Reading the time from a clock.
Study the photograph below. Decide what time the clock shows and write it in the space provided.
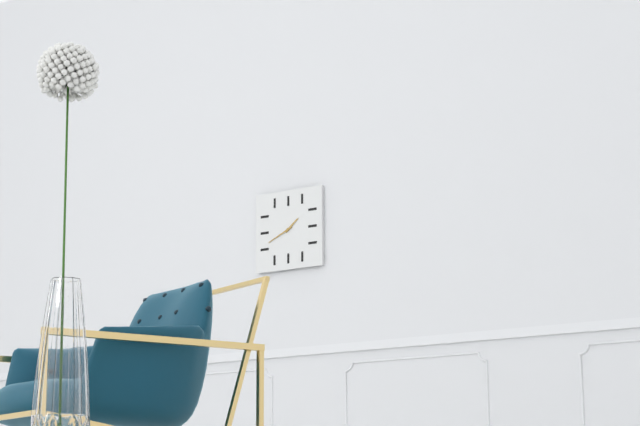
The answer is 1:41
